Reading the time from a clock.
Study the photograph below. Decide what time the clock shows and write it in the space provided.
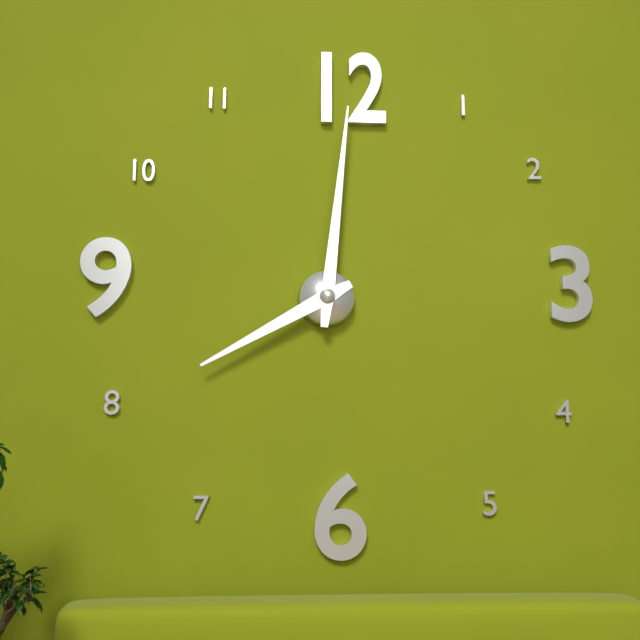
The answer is 8:01
